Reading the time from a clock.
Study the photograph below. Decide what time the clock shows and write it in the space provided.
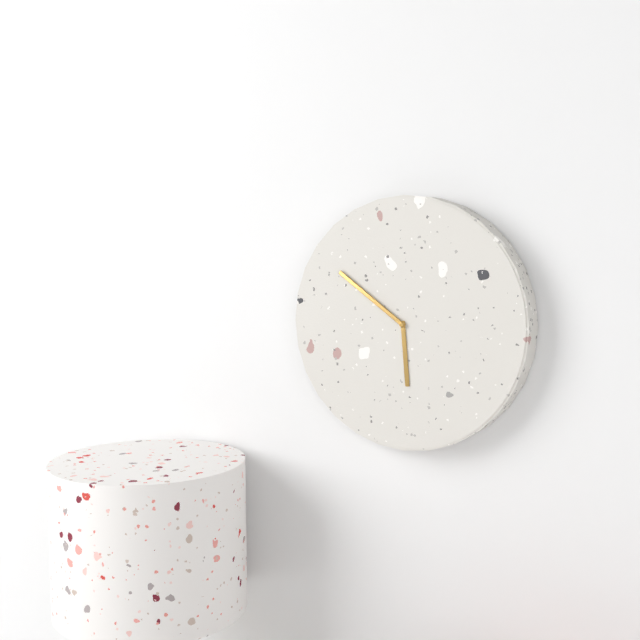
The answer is 5:51
